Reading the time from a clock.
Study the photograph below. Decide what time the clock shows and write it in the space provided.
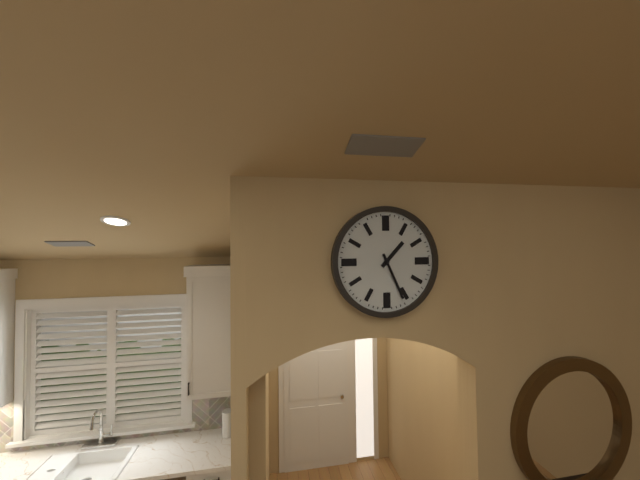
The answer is 1:26
